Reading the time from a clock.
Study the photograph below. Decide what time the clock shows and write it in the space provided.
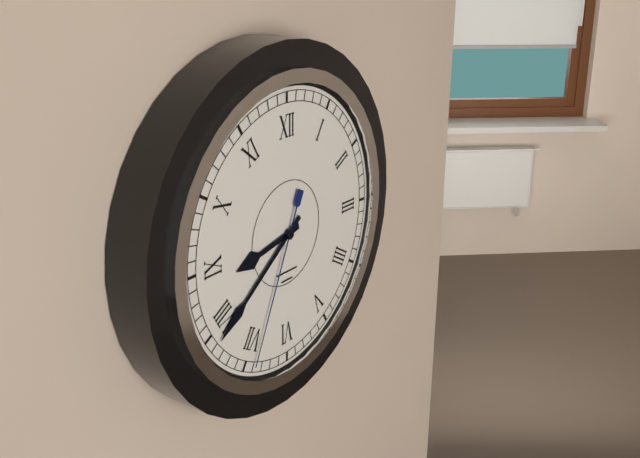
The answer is 8:39:34
